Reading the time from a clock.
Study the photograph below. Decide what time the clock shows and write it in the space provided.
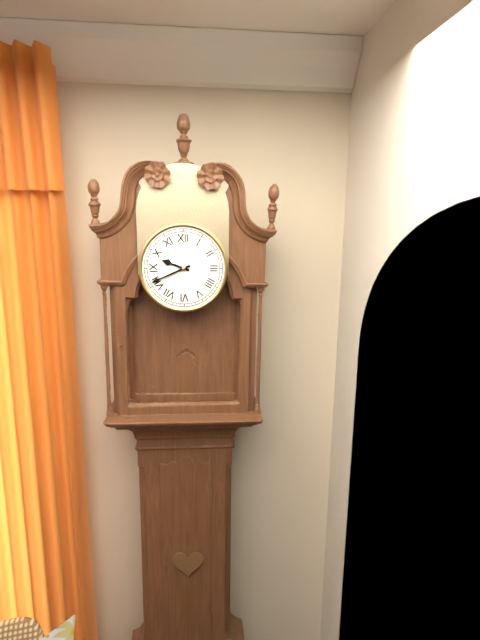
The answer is 9:41
